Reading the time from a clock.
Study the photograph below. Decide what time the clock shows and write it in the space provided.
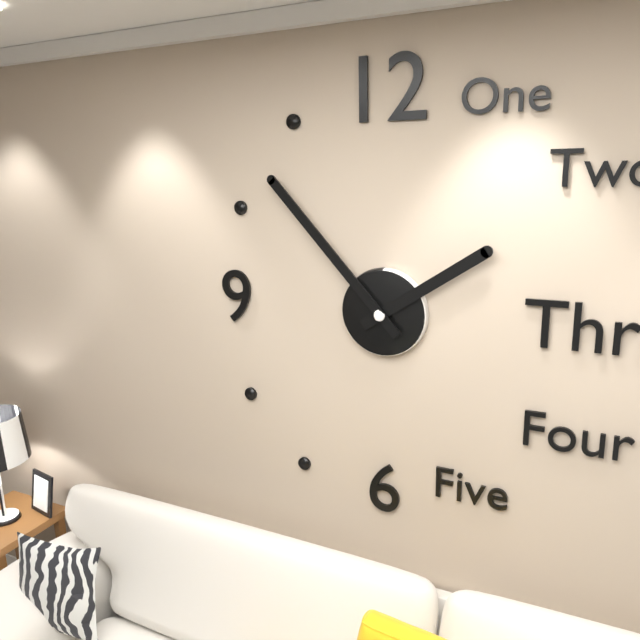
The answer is 1:53
